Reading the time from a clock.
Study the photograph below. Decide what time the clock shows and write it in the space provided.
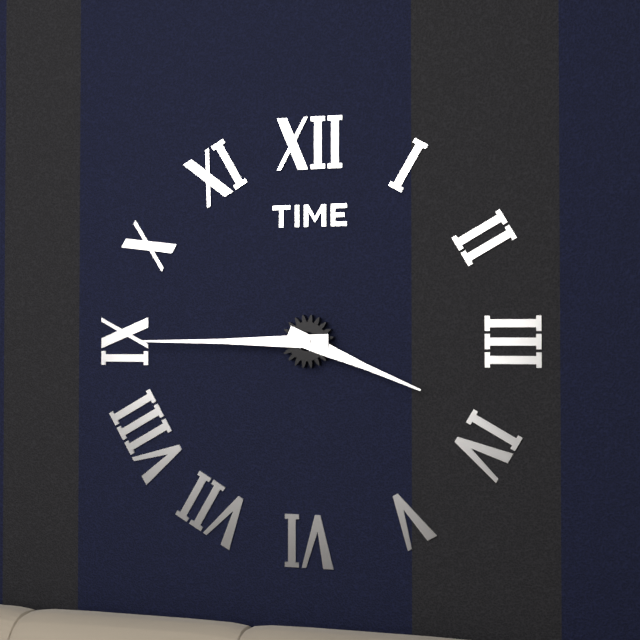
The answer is 3:45
